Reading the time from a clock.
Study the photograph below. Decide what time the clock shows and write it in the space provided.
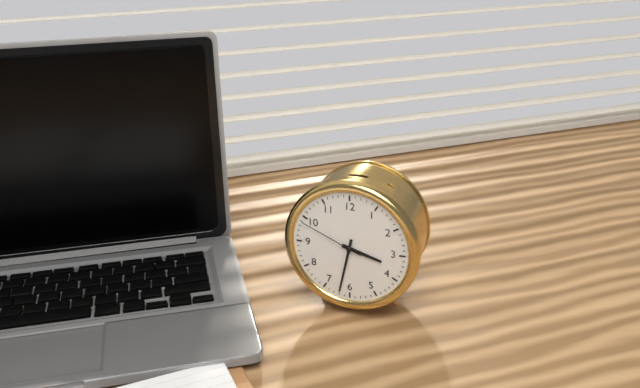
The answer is 3:32:49
